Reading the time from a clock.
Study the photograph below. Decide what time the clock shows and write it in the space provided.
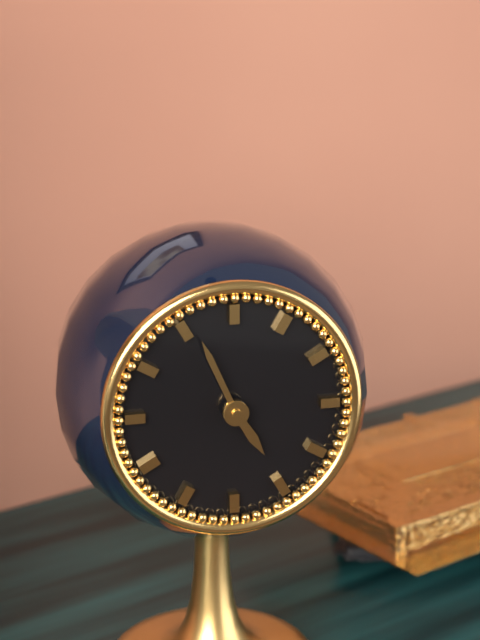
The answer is 4:56
